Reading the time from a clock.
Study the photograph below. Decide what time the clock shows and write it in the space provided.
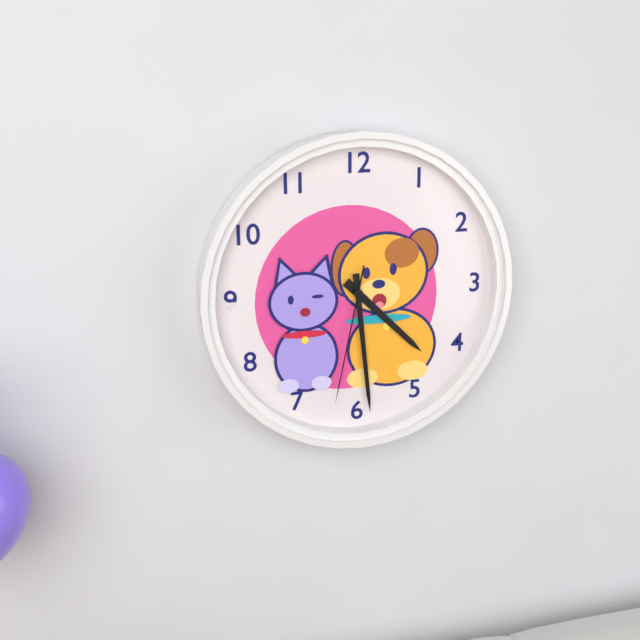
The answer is 4:29:32
